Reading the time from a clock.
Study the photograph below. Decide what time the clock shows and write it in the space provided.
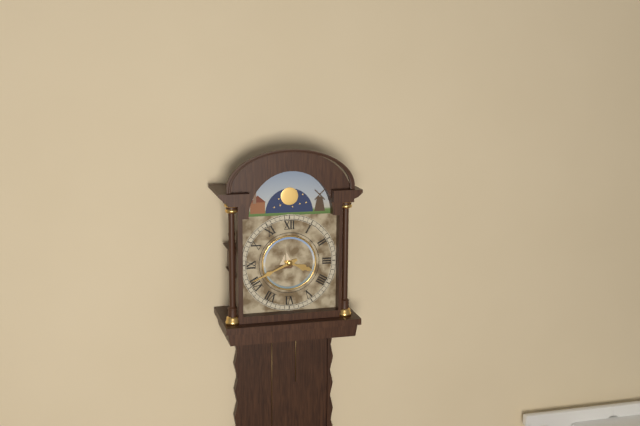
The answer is 3:41
